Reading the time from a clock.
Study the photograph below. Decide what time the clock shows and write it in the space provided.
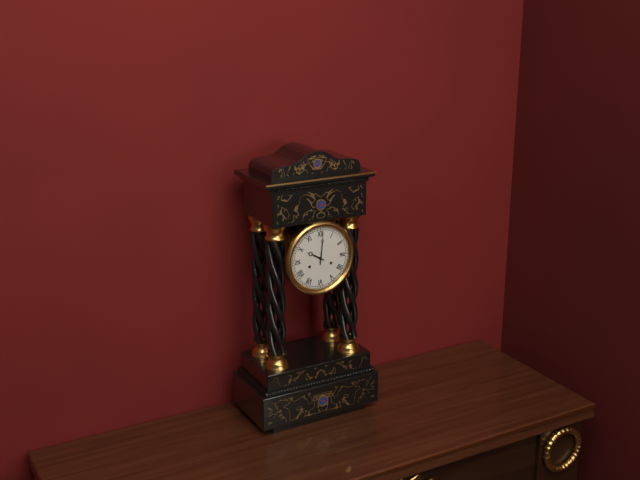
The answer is 10:01
